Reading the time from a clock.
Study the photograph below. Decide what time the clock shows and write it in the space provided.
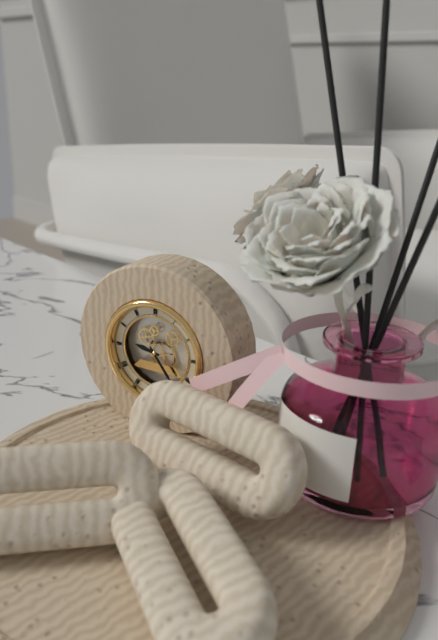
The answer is 9:24
